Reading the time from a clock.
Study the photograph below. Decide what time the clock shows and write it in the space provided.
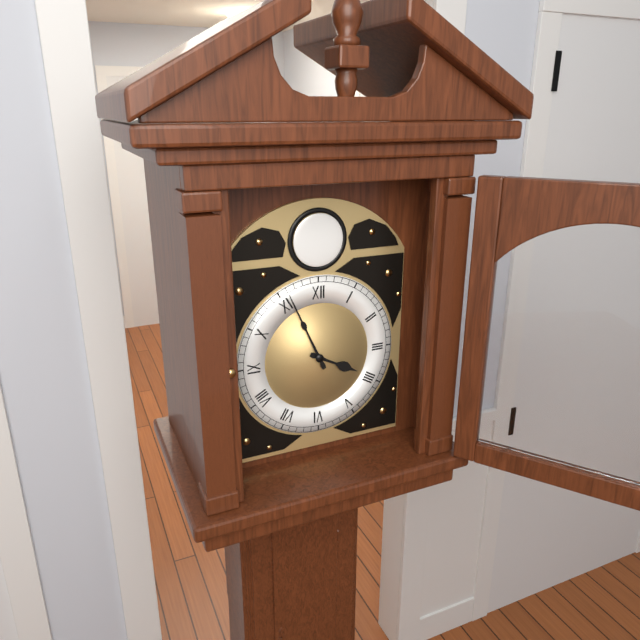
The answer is 3:56
